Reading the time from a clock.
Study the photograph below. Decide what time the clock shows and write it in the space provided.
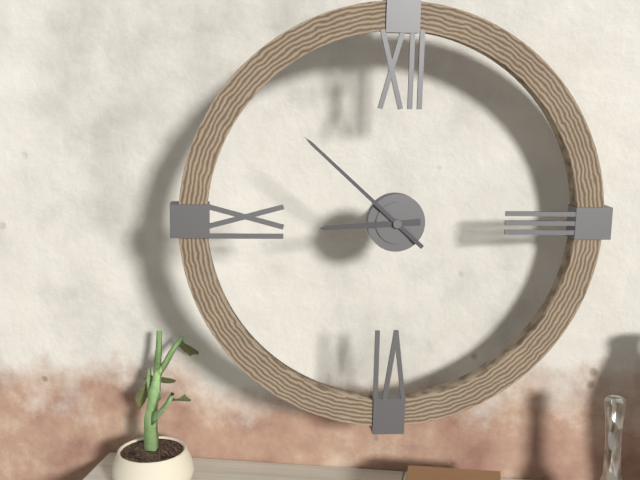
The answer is 8:52
